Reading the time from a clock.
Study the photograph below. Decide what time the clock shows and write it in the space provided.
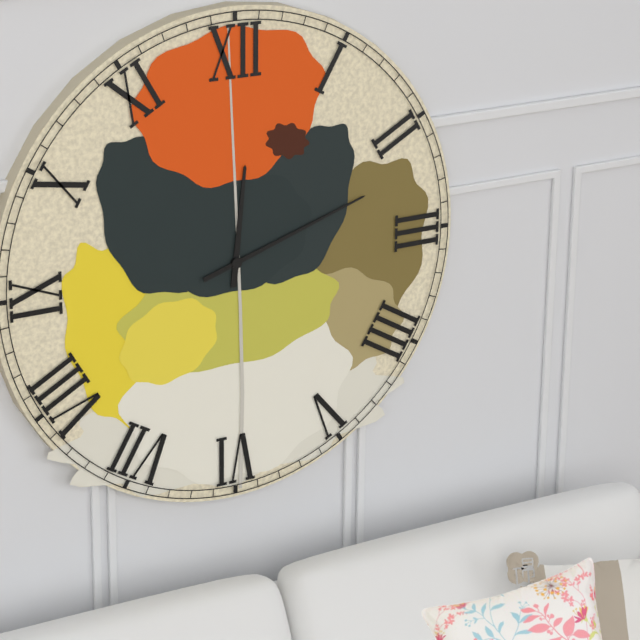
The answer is 12:12
